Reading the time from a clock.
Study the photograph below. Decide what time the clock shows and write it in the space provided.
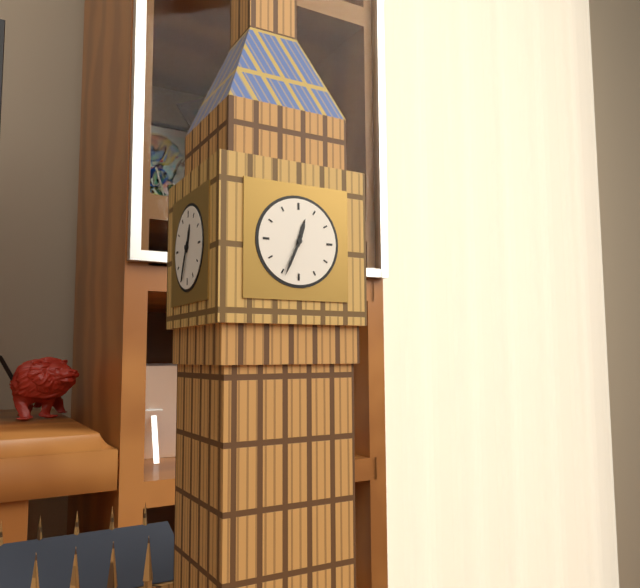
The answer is 12:34
